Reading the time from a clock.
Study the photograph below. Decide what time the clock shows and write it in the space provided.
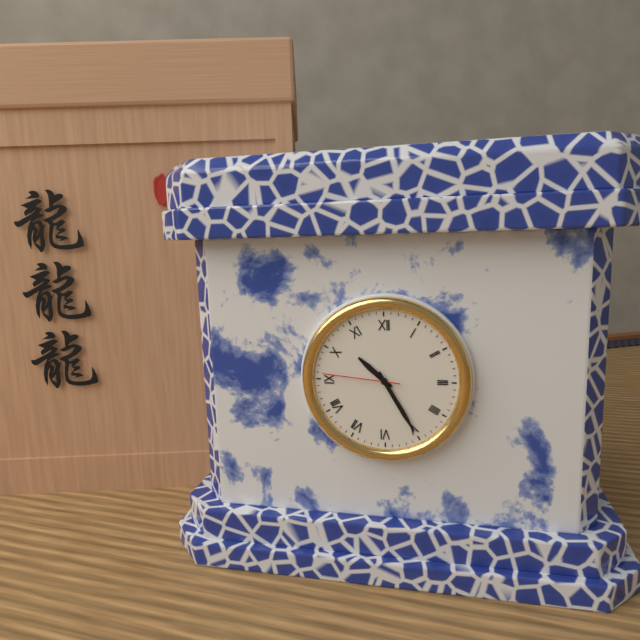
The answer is 10:25:46
